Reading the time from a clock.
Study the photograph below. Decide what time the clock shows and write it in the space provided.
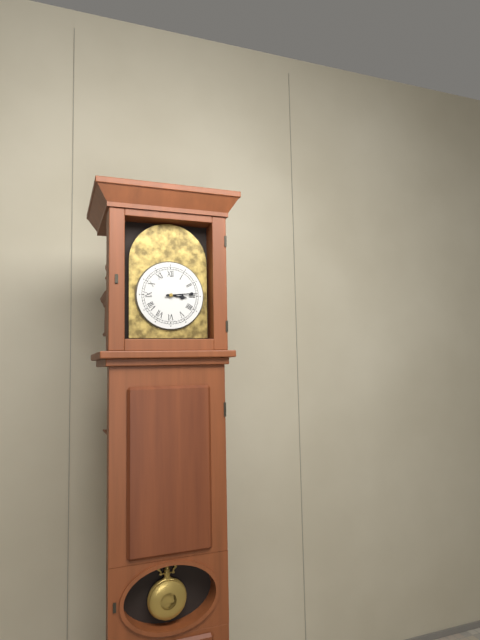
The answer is 3:14
